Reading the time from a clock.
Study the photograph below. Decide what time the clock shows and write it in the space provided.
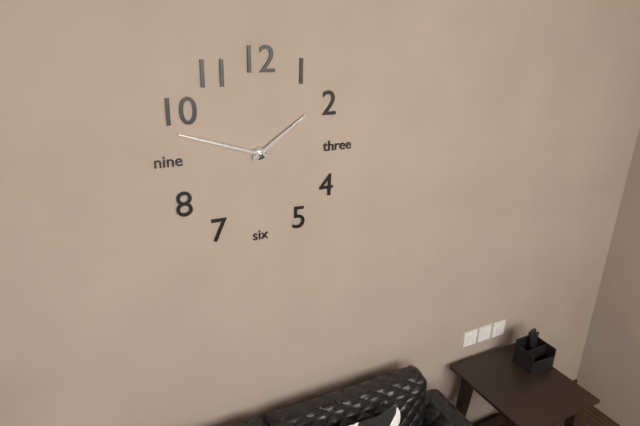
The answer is 1:48
